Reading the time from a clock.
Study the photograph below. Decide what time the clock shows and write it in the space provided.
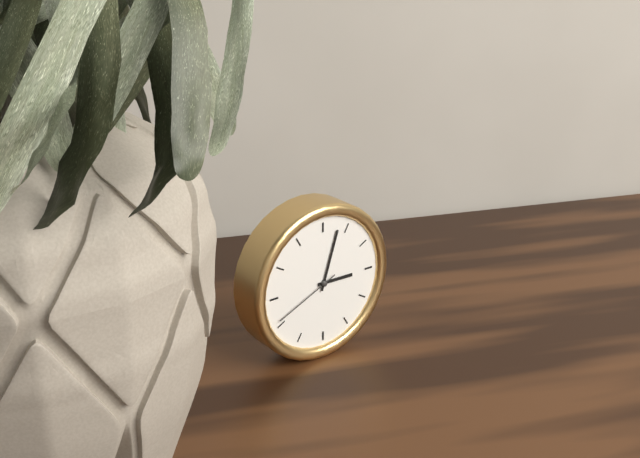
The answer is 3:03:41
